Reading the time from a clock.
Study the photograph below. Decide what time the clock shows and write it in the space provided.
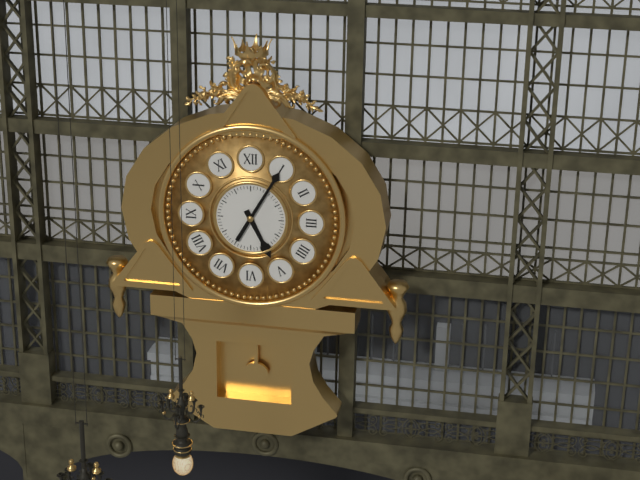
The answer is 5:05
